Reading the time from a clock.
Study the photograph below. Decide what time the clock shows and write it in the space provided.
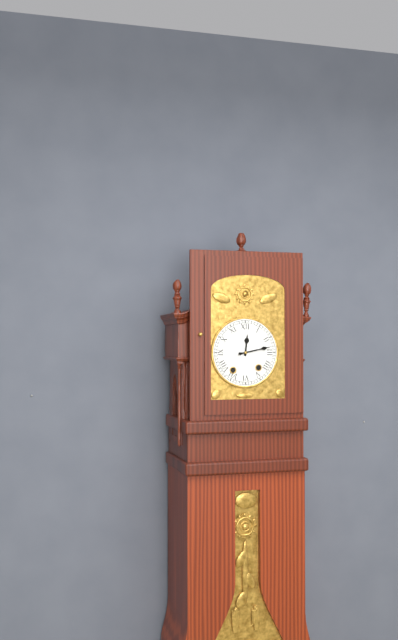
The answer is 12:13
